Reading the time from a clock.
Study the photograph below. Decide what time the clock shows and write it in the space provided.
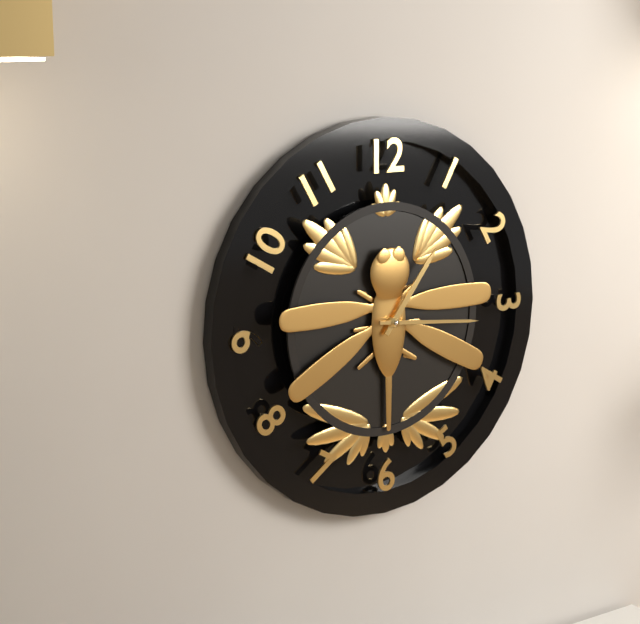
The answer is 1:16
